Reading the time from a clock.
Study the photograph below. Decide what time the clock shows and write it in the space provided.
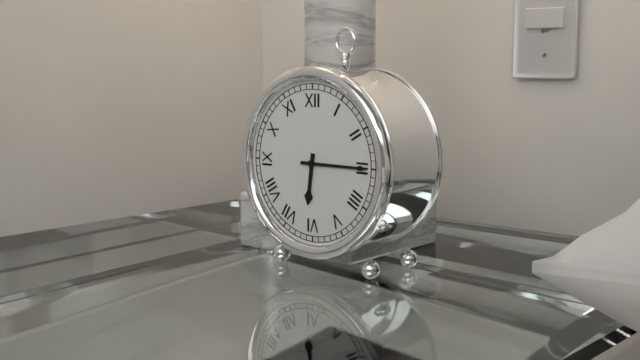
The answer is 6:15
